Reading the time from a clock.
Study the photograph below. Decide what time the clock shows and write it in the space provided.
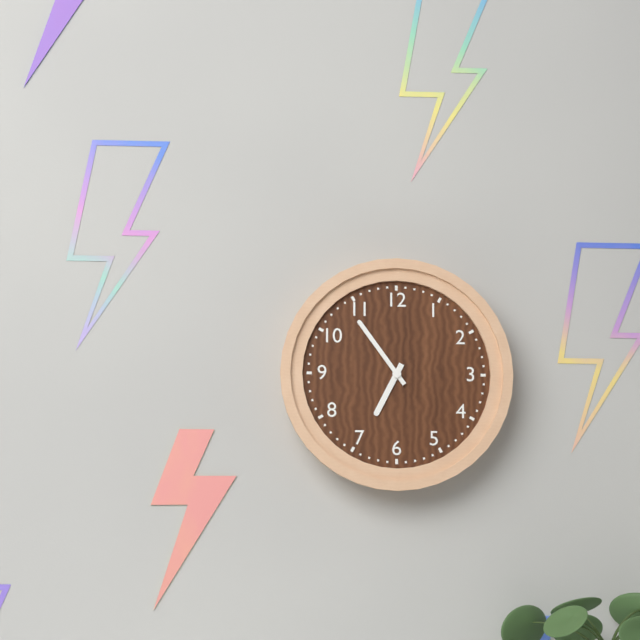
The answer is 6:54
